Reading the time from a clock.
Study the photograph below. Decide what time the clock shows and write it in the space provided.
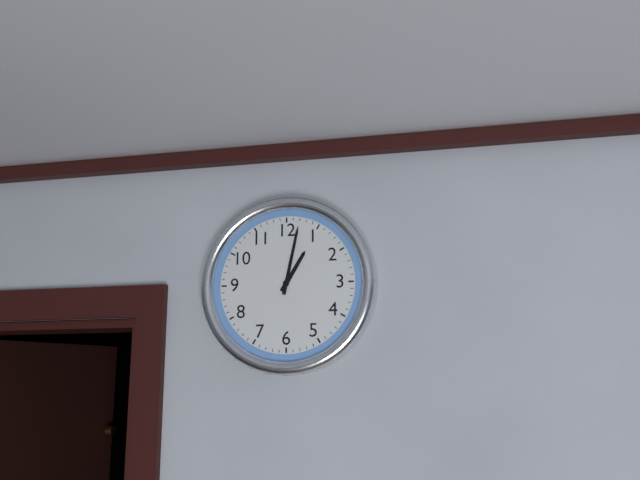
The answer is 1:02
